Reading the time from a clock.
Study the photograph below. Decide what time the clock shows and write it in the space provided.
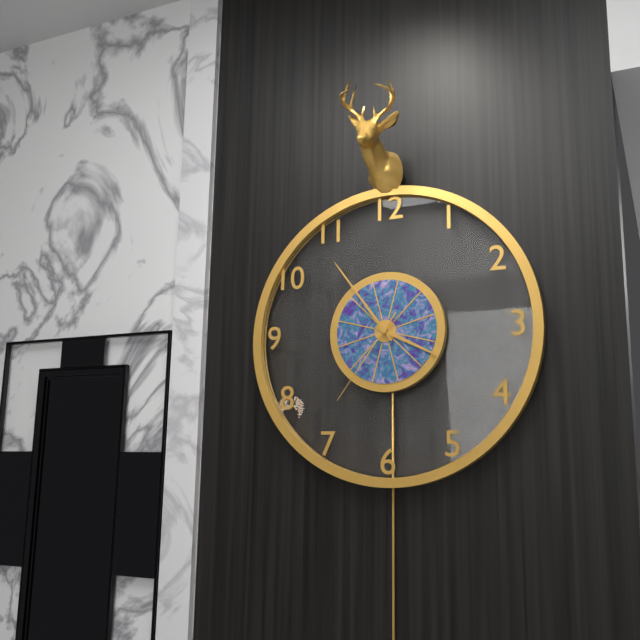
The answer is 3:54:36
